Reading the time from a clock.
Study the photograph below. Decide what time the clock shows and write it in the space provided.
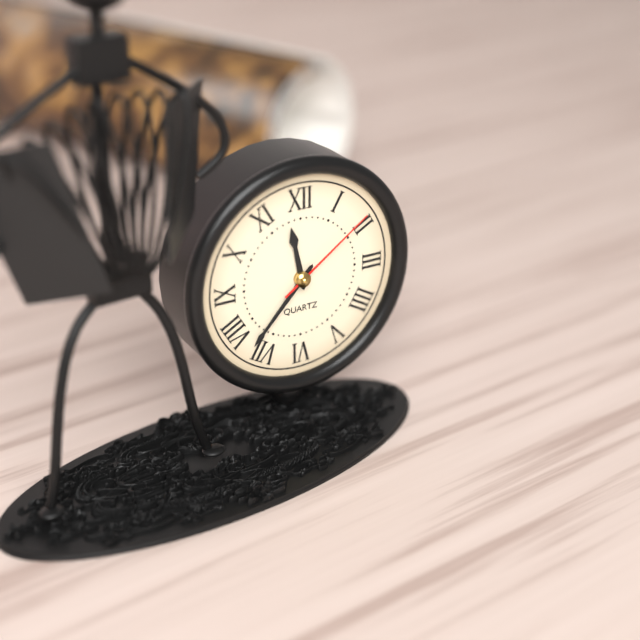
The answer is 11:37:09
